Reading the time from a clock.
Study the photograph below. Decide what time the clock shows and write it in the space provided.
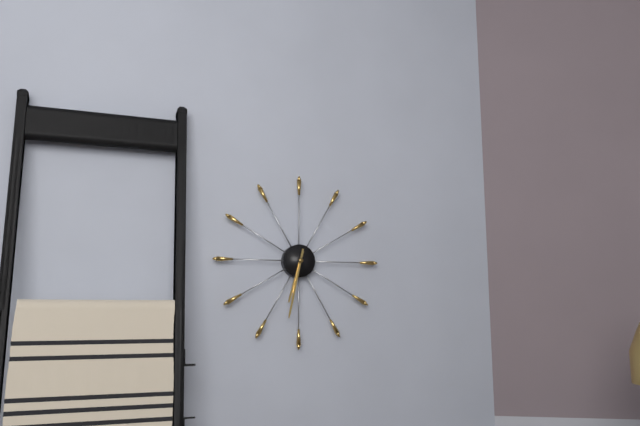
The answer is 6:32
